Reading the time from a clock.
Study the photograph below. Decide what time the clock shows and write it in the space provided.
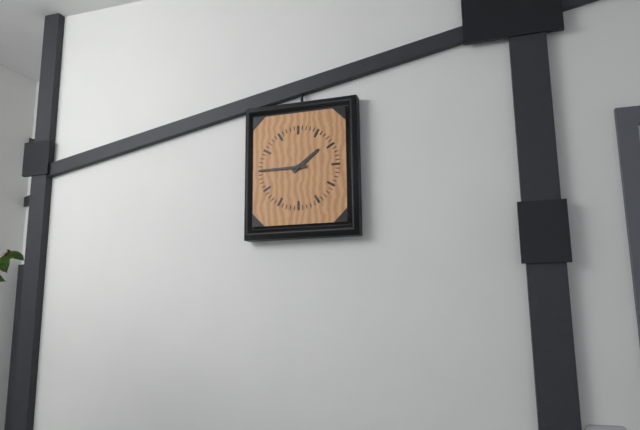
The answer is 1:45
